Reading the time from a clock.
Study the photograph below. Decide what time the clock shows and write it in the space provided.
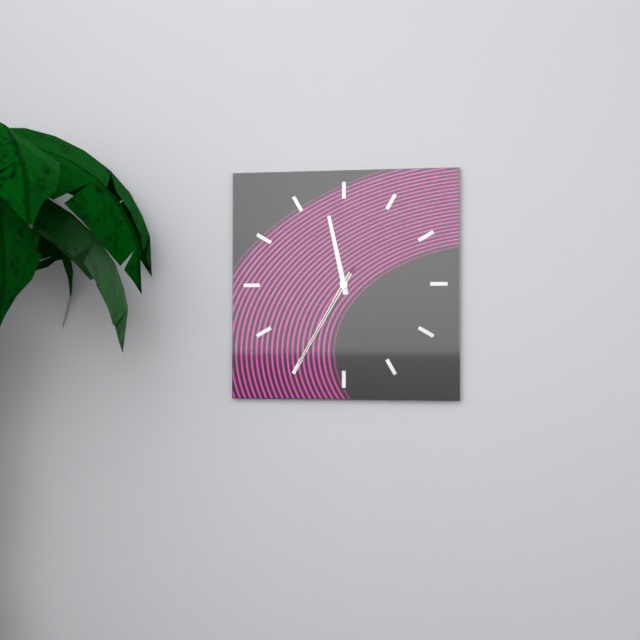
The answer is 11:35:35
